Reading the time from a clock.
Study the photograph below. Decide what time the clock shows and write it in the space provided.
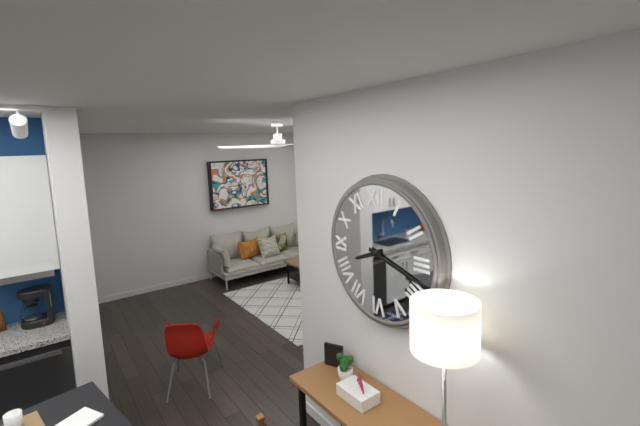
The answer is 8:18
